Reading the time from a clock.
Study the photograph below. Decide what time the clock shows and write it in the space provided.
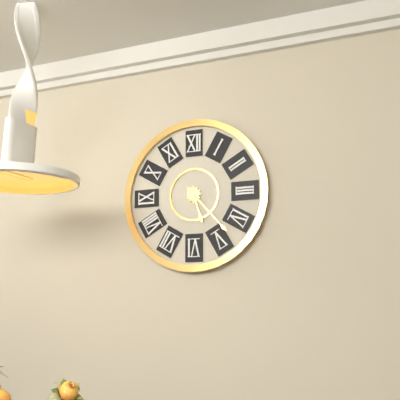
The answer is 5:23
